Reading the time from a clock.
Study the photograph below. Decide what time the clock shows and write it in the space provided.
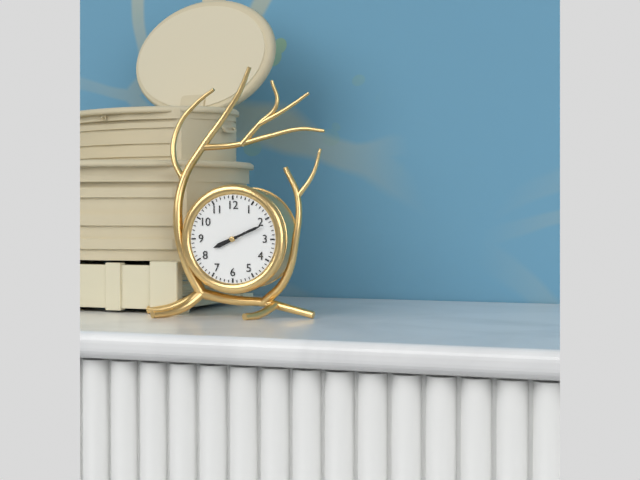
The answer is 8:11
